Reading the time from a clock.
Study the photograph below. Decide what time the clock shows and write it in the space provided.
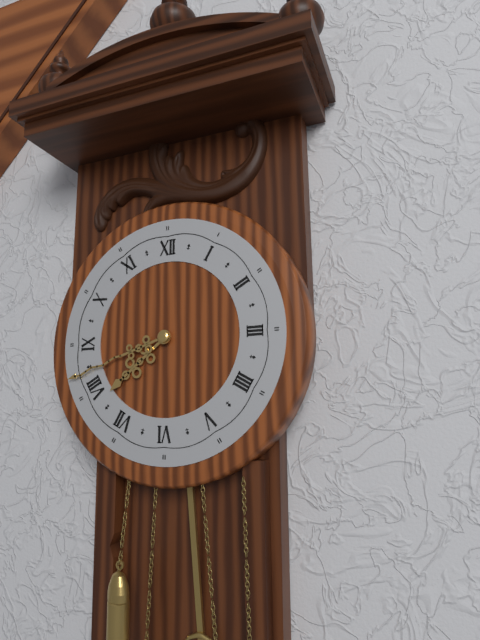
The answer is 7:42
